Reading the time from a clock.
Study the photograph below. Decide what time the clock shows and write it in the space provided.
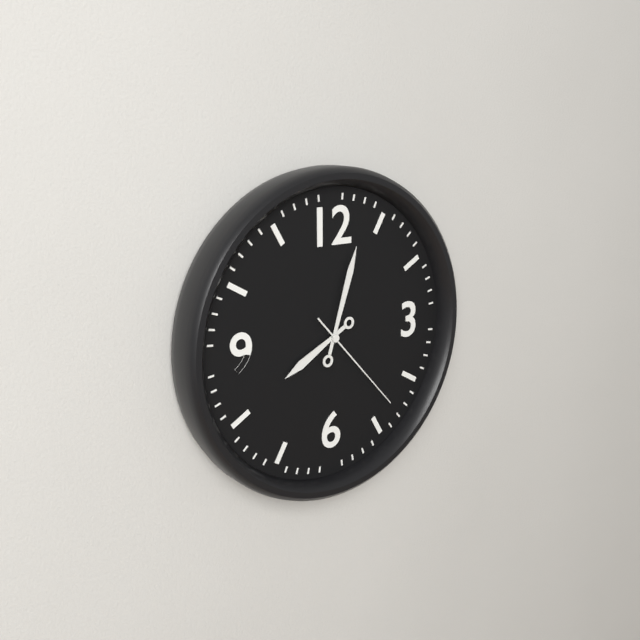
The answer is 8:03:23
